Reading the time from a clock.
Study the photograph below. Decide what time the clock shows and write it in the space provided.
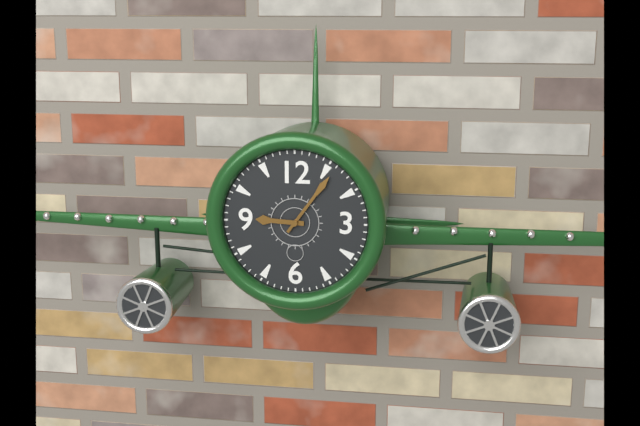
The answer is 9:06
